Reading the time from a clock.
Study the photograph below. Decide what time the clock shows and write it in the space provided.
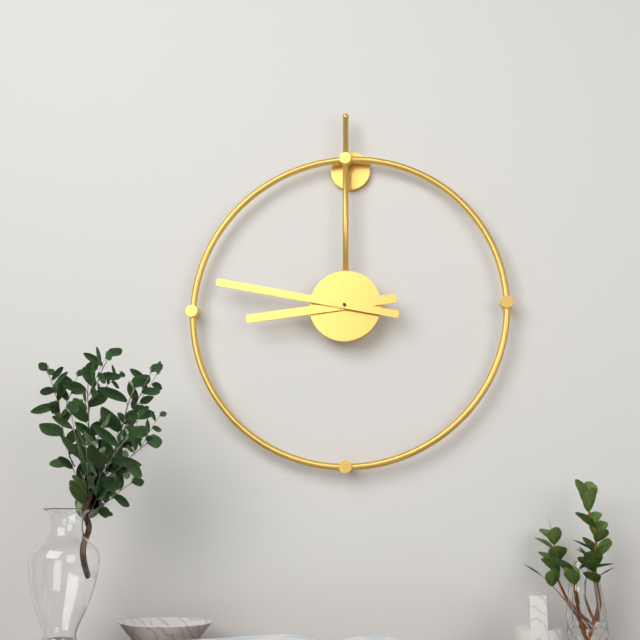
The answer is 8:47
